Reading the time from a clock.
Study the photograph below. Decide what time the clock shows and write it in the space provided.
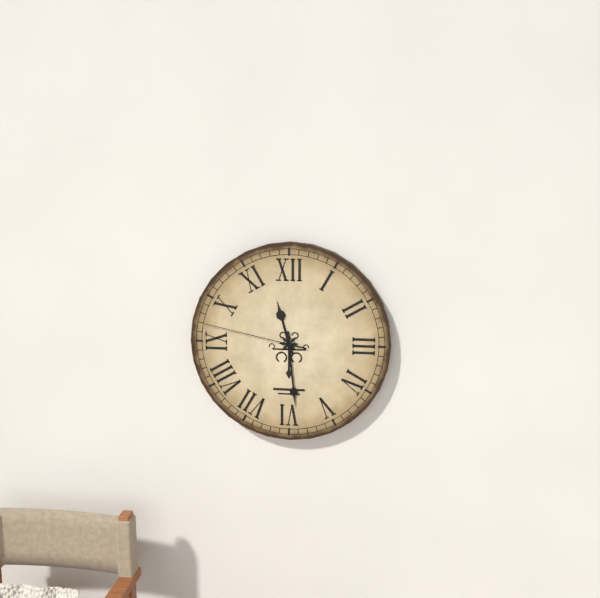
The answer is 11:29:47
